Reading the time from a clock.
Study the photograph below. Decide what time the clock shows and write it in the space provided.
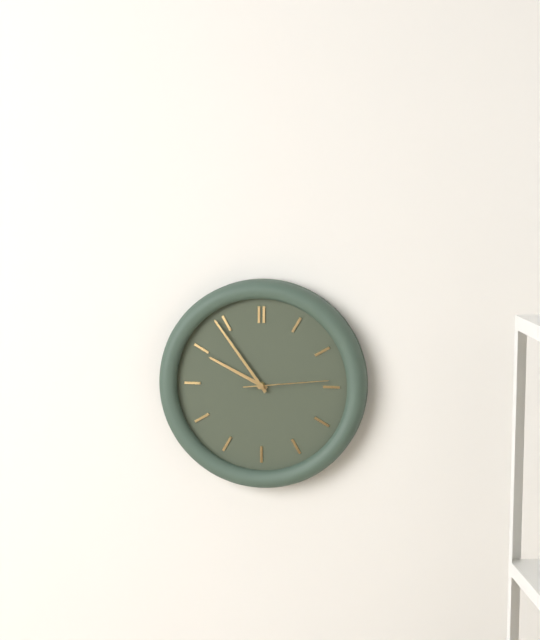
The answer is 9:54:14
